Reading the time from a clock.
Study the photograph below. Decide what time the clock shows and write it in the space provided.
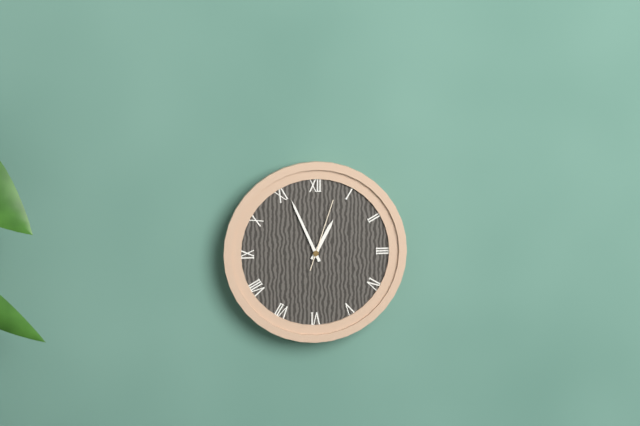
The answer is 12:56:03
